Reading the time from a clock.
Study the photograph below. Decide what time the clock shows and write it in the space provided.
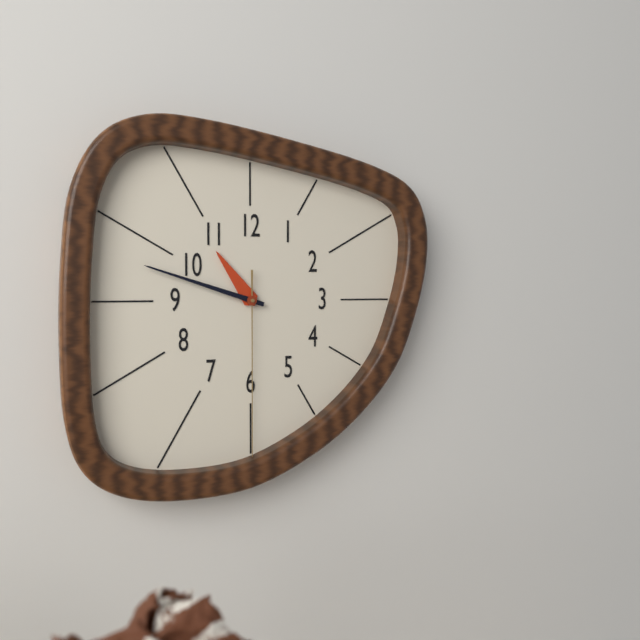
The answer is 10:48:30
